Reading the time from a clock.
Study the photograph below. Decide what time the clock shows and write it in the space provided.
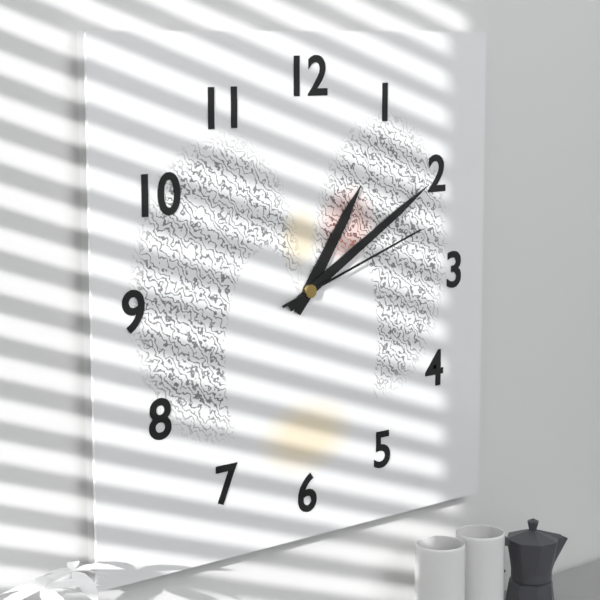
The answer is 1:10:12
